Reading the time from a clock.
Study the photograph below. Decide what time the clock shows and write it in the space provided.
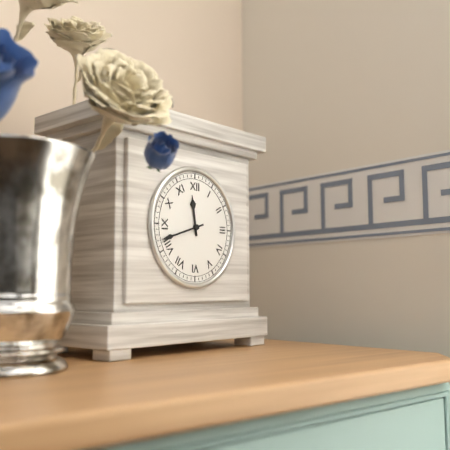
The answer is 11:42
